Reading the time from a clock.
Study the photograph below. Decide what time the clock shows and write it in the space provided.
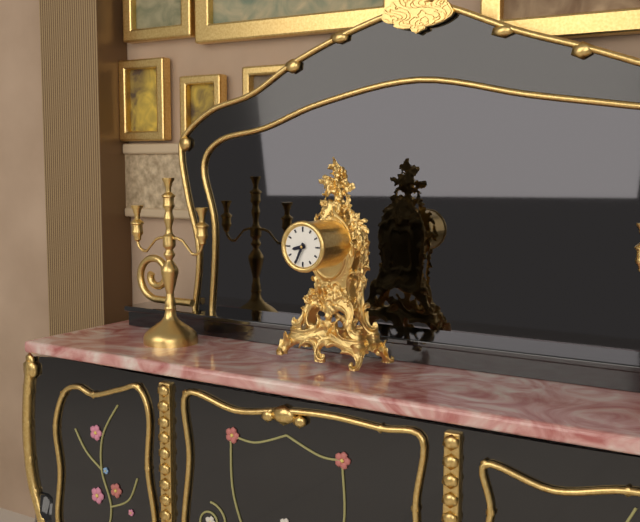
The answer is 8:34
